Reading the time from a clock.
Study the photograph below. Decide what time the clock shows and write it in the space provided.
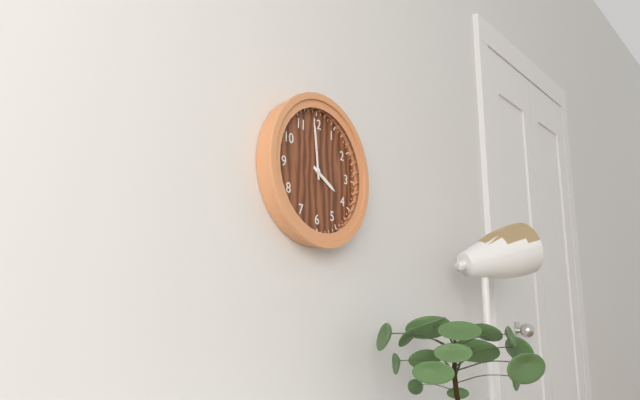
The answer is 3:59
